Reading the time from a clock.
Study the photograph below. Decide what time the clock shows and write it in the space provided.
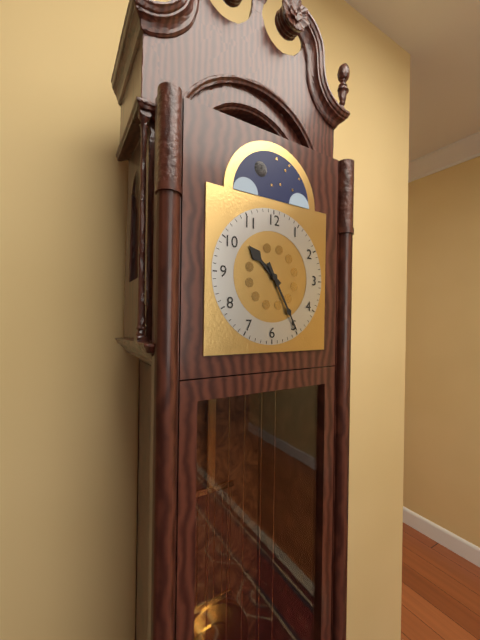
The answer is 10:25
